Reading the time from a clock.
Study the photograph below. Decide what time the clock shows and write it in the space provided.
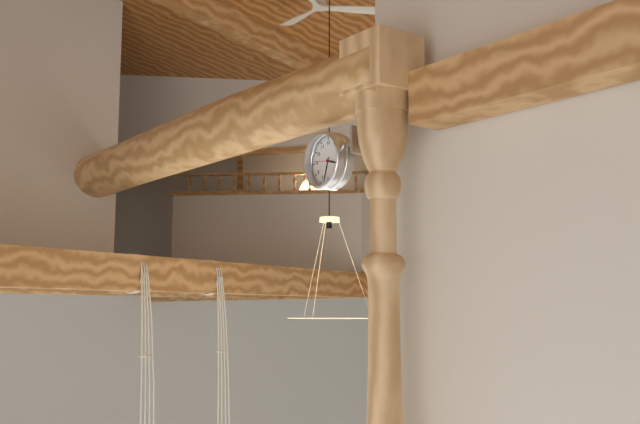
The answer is 3:33
